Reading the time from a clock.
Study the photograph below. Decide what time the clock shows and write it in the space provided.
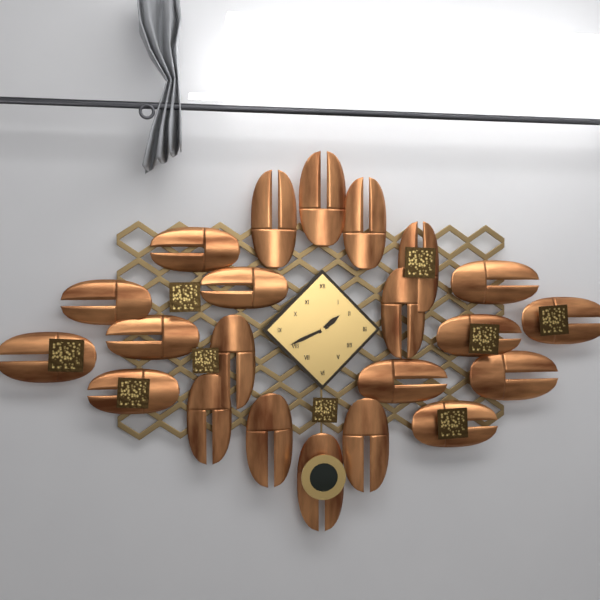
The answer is 1:41
